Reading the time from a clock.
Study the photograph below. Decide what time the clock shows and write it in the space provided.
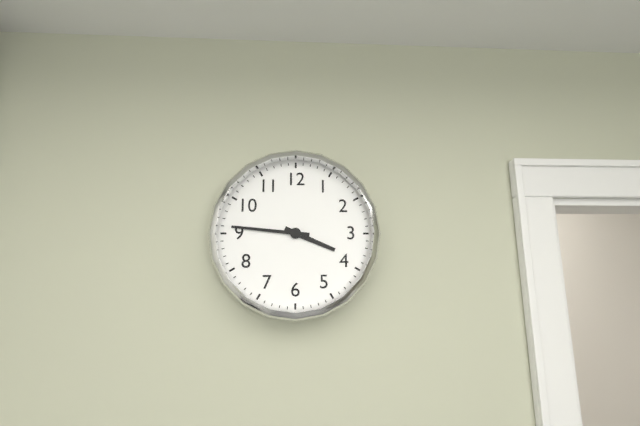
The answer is 3:46
